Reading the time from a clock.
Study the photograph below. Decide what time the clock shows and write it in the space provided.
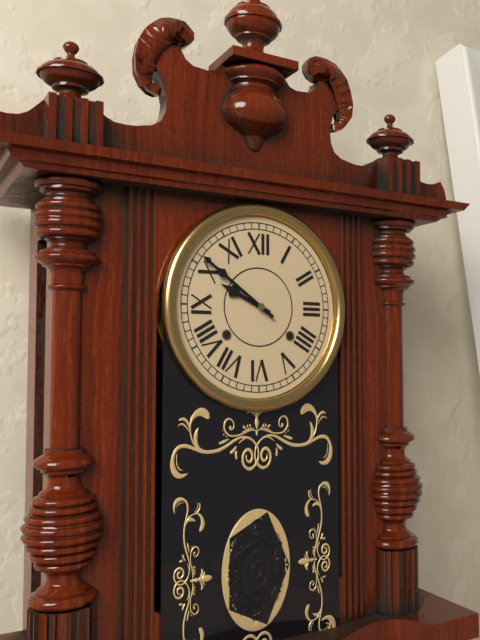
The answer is 9:51
